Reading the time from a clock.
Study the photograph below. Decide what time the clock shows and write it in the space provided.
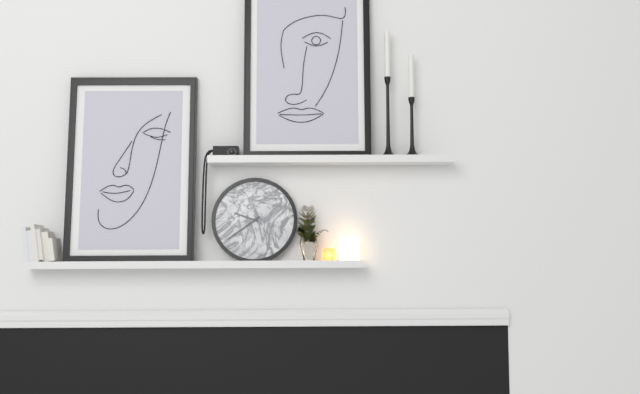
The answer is 9:39
